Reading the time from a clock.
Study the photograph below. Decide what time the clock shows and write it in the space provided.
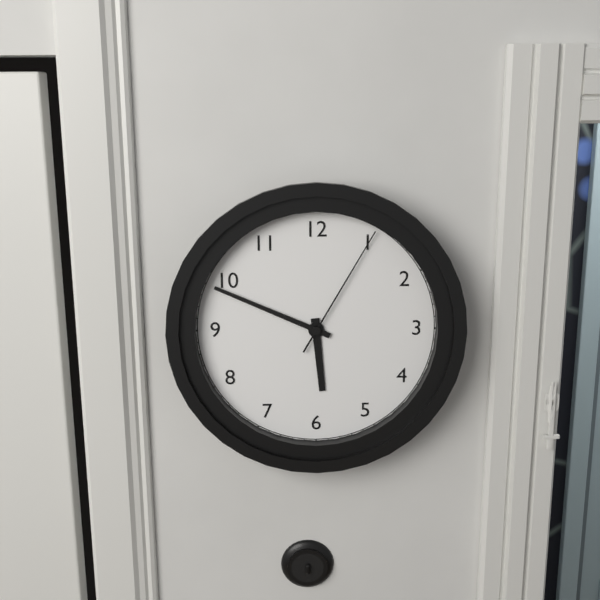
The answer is 5:49:05
